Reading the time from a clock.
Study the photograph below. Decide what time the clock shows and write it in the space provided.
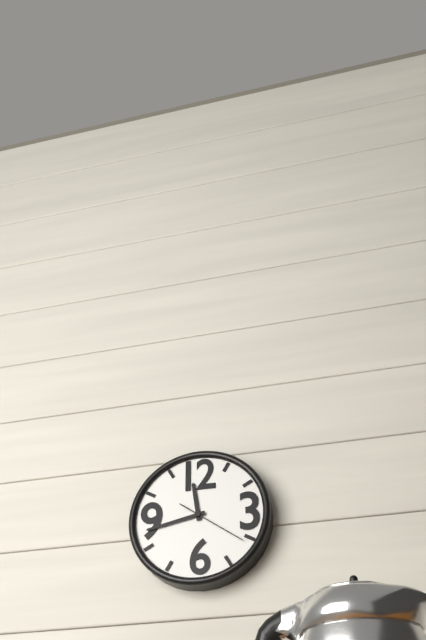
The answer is 11:43:21
